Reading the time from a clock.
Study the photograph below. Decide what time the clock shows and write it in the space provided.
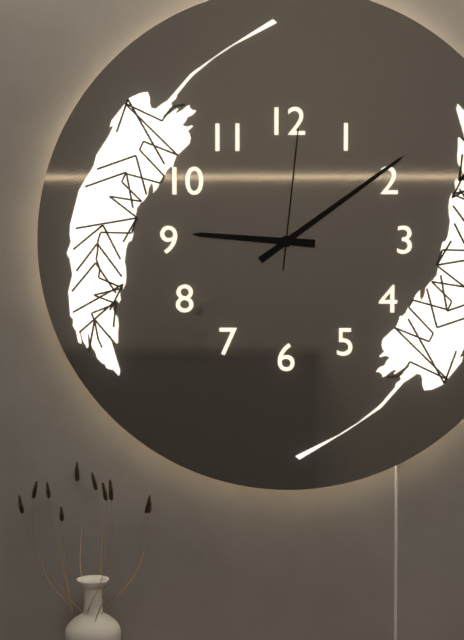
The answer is 9:09:01
